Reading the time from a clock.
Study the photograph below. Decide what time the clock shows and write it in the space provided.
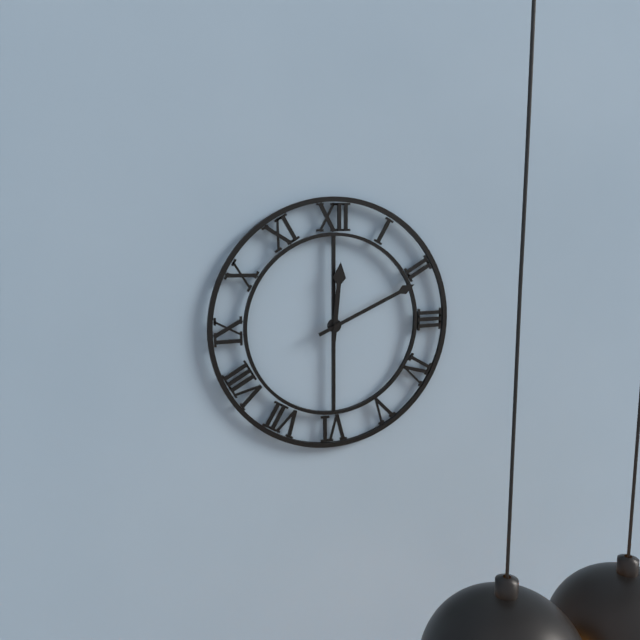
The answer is 12:11
